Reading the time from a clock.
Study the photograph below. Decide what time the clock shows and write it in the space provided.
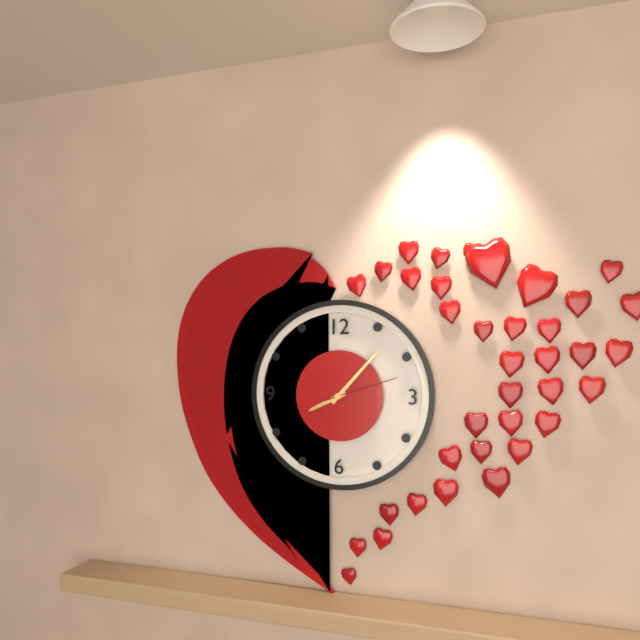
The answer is 8:07:12
